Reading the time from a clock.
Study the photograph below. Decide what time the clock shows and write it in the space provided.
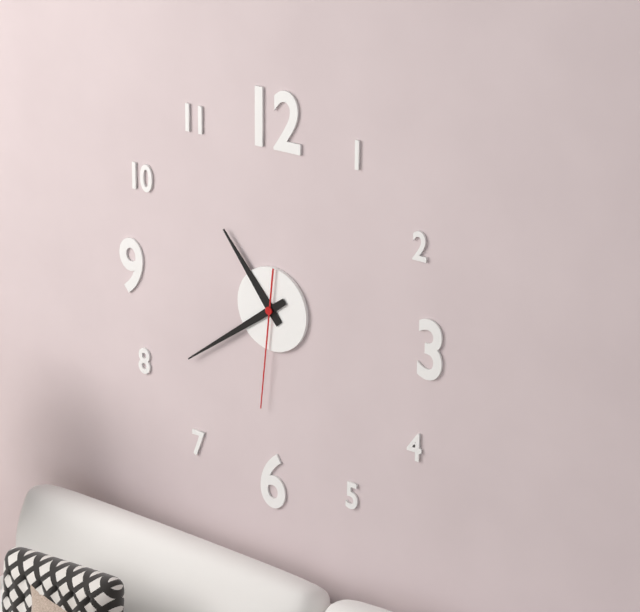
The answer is 10:39:31
